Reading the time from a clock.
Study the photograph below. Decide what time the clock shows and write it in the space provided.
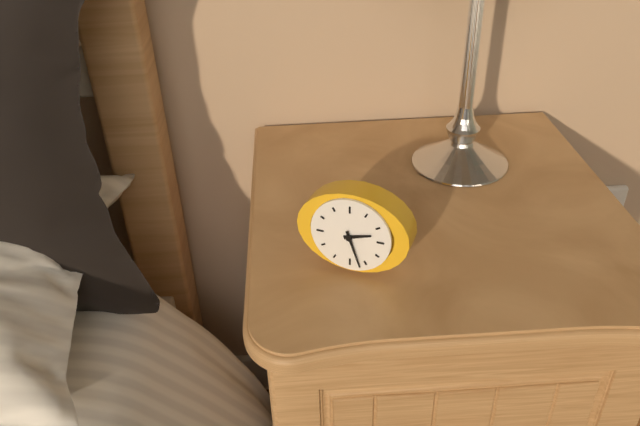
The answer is 2:27
